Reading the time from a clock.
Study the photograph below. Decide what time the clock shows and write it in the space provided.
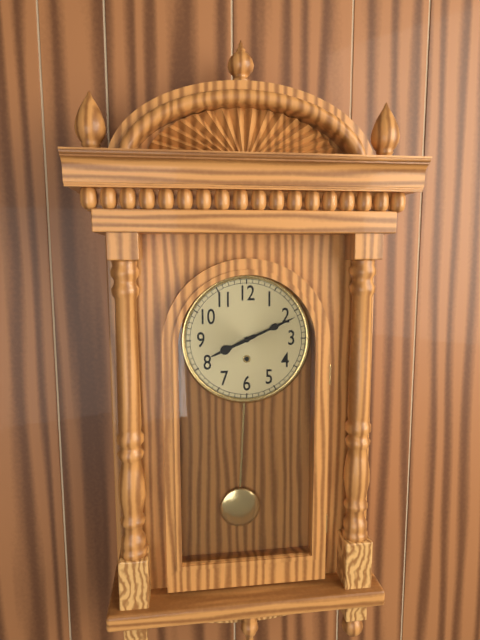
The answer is 8:11
